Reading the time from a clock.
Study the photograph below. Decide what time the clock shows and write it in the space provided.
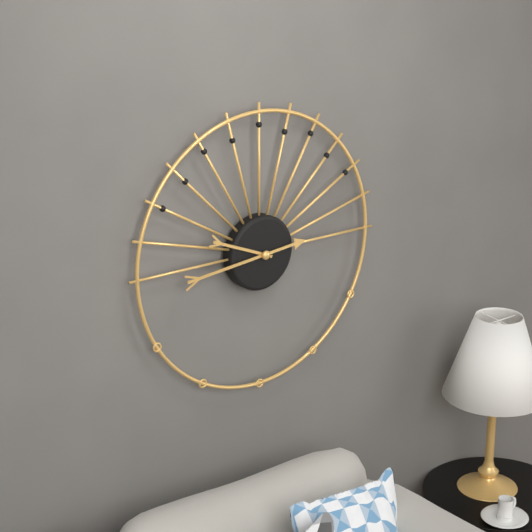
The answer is 9:44
